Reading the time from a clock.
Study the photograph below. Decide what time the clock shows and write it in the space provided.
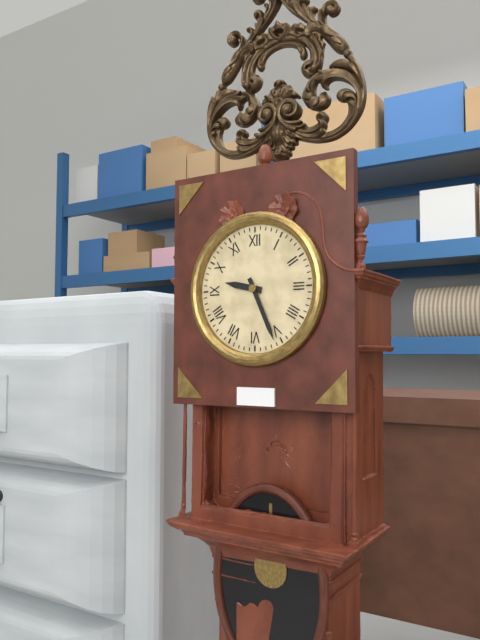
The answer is 9:26
